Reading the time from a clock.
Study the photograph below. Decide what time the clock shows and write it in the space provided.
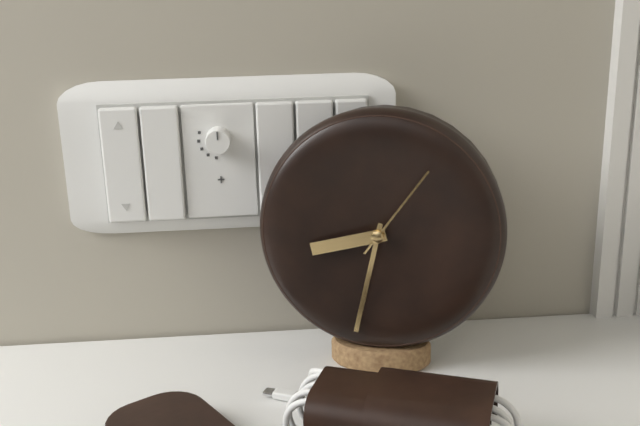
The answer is 8:32:06
